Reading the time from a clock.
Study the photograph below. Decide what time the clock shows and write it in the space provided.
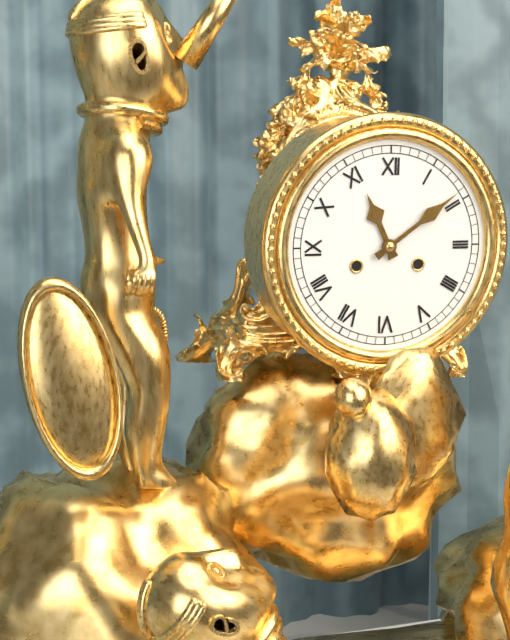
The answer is 11:09
